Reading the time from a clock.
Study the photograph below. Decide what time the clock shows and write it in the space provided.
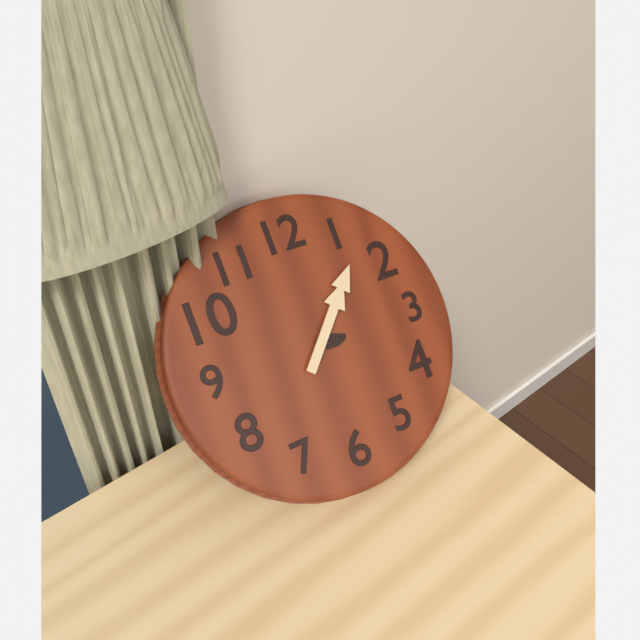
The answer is 3:07
